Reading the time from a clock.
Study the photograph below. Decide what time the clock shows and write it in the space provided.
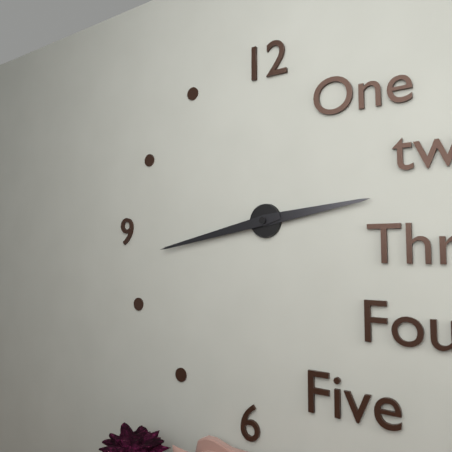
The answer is 2:43
